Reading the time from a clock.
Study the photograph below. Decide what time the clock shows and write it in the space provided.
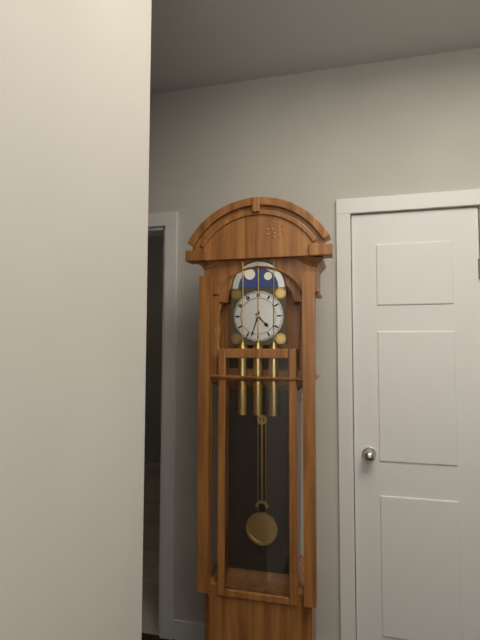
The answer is 4:33
